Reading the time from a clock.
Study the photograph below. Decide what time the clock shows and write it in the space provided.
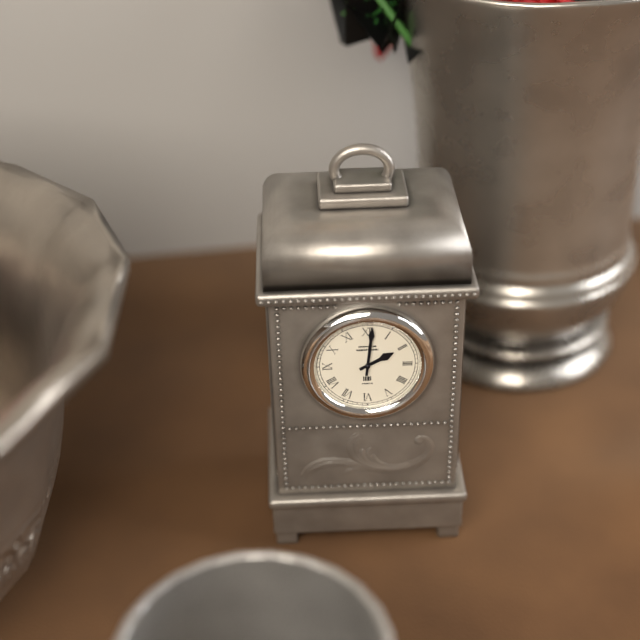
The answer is 2:01
